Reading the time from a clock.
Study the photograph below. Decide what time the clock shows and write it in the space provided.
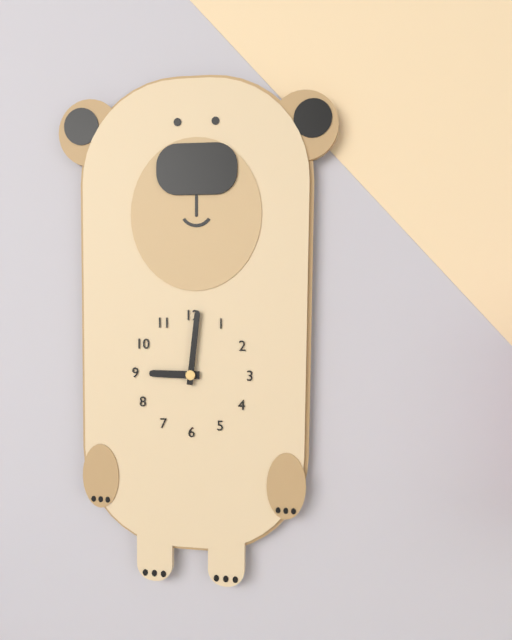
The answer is 9:01
